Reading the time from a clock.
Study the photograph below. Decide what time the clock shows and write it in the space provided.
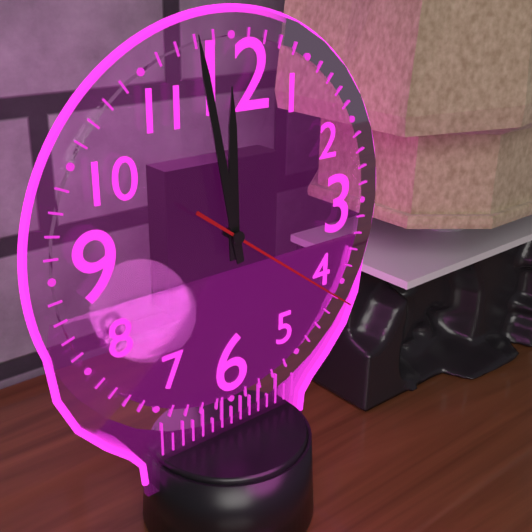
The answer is 11:58:21
